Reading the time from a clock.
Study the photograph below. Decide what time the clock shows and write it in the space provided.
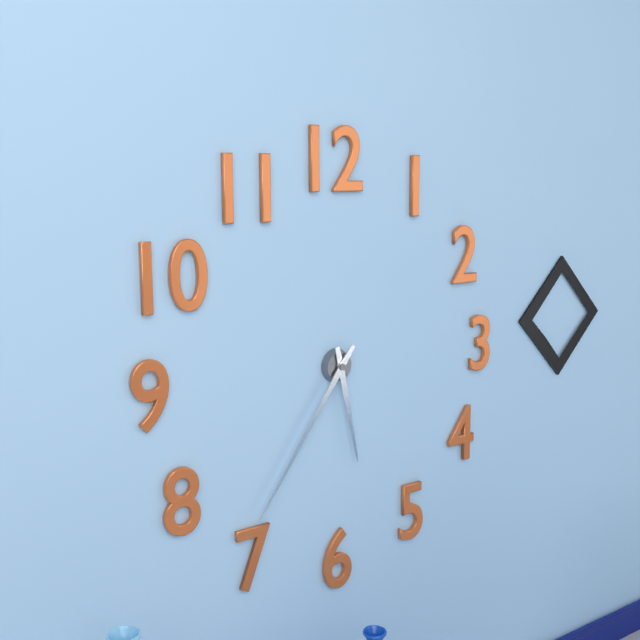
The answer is 5:36
